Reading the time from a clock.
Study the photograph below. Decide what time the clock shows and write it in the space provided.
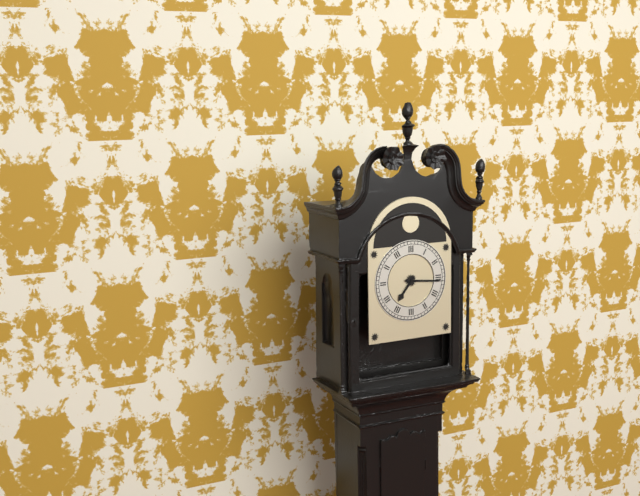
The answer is 7:16
